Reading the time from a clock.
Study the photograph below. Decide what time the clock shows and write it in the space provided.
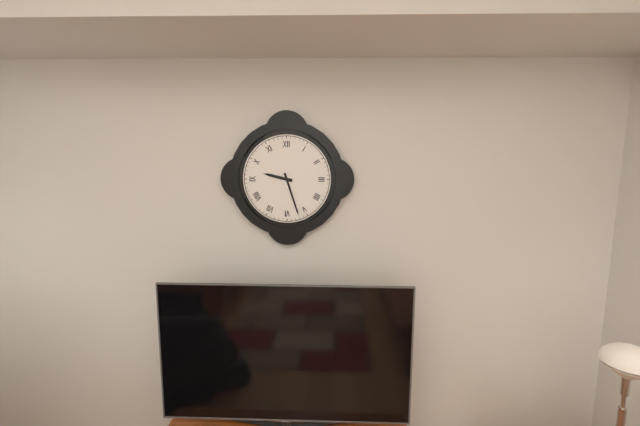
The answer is 9:27
